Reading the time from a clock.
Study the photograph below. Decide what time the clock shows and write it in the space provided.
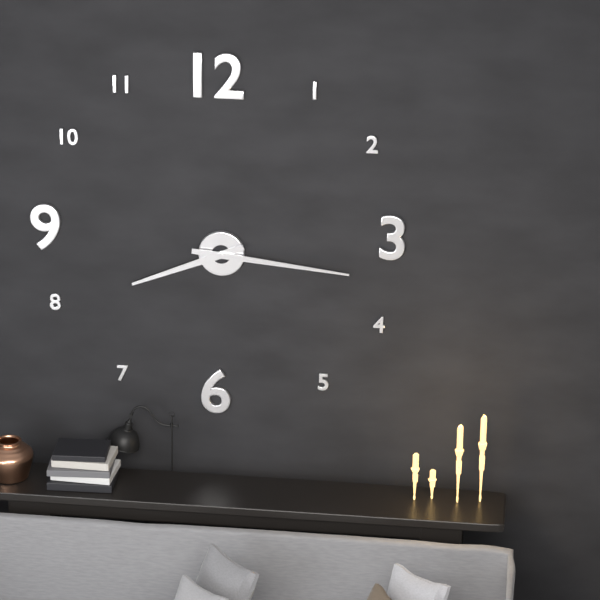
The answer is 8:16
